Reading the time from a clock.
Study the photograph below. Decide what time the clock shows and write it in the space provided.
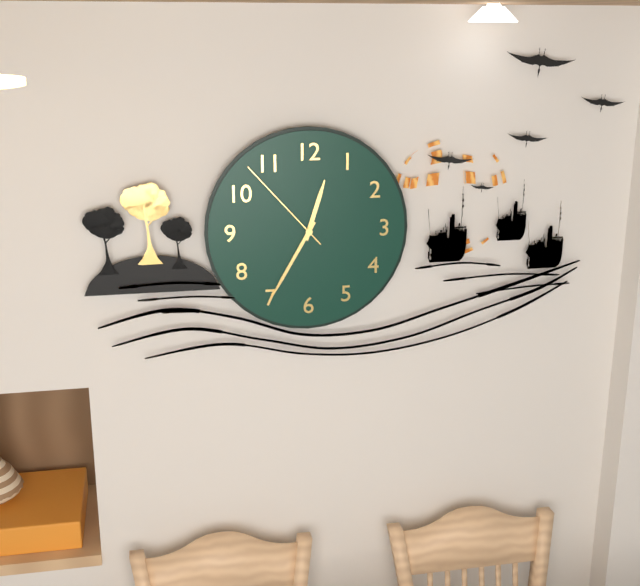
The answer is 12:35:53
